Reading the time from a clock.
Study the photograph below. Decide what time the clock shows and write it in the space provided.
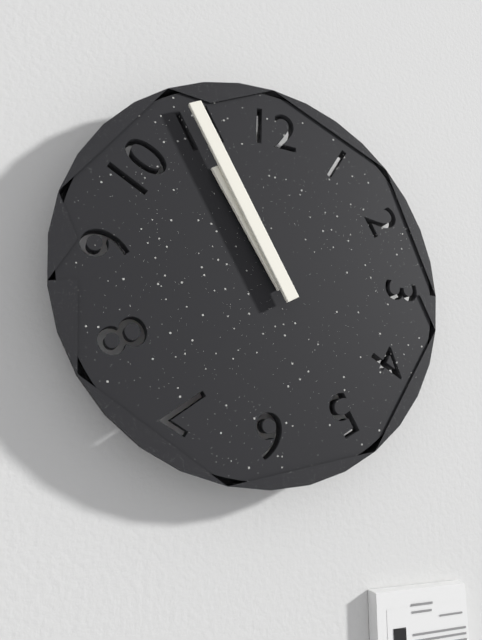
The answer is 10:55
